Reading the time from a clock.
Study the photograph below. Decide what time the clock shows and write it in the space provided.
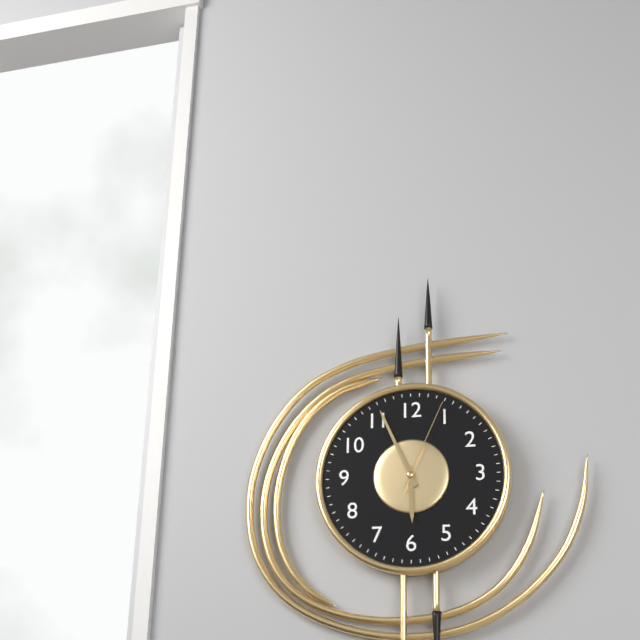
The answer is 5:56:04
